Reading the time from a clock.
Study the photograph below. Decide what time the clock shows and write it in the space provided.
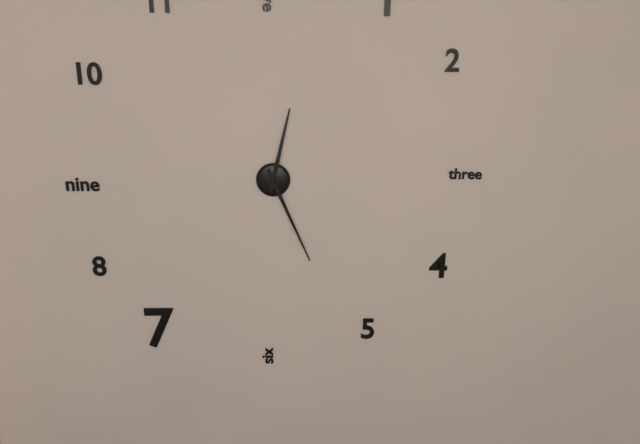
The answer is 12:26
